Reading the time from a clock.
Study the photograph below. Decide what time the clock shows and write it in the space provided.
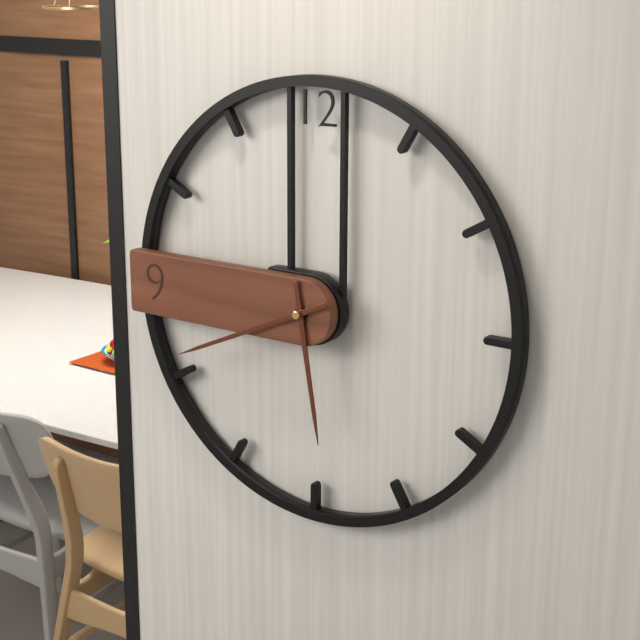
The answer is 5:41
